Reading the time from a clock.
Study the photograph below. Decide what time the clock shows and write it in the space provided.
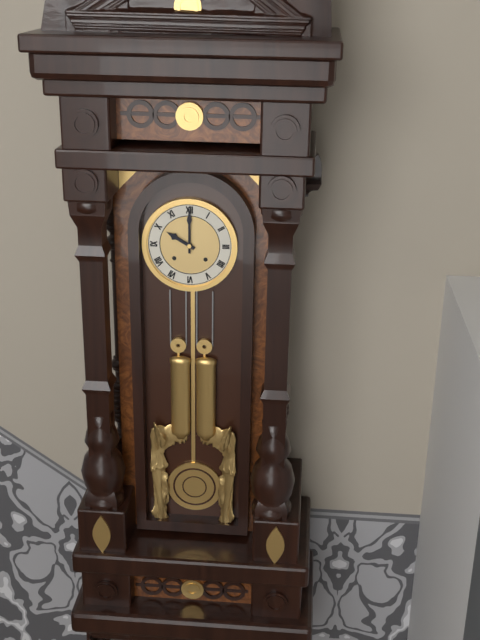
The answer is 10:00
